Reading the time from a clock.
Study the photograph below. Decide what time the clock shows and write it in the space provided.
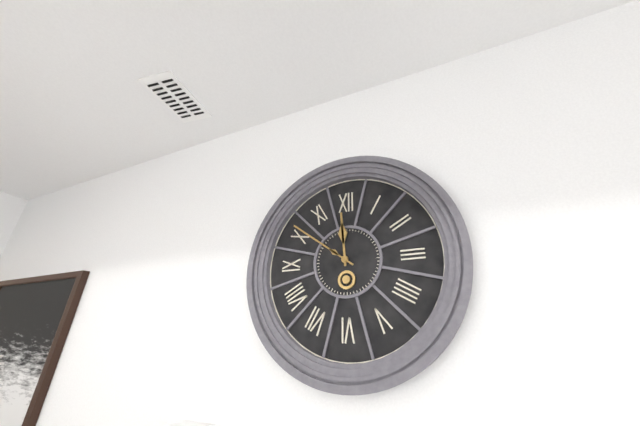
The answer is 11:51
